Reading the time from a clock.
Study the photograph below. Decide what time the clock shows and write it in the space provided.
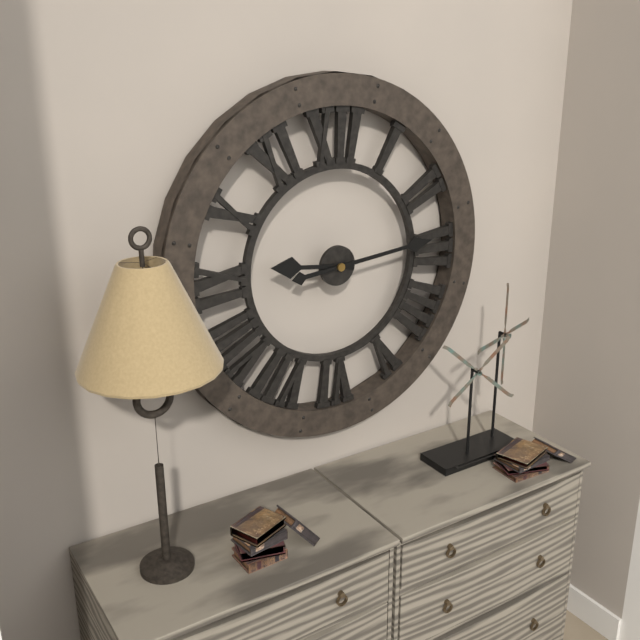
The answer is 9:14
